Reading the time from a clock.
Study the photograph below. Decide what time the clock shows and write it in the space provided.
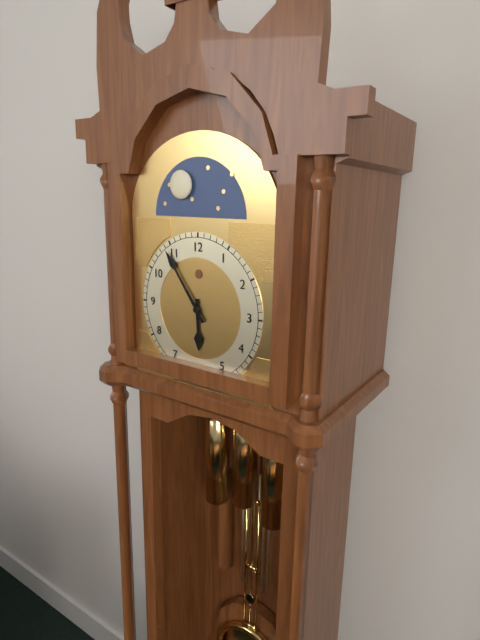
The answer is 5:54
